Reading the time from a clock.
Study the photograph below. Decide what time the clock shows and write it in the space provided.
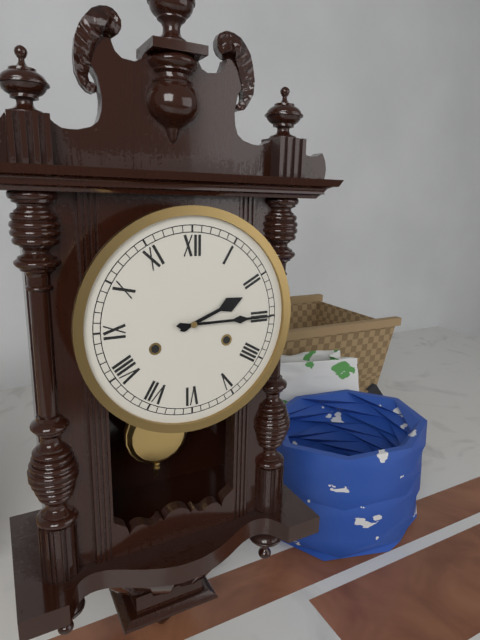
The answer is 2:15
